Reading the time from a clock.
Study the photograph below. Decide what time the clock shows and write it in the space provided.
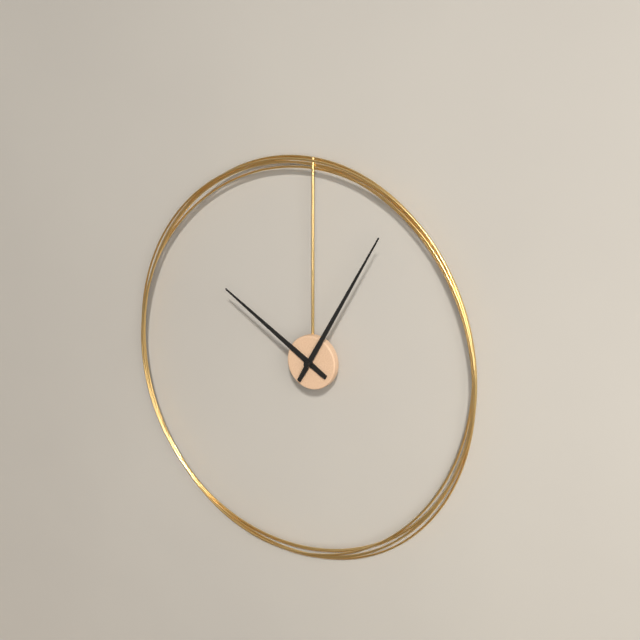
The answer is 10:05
